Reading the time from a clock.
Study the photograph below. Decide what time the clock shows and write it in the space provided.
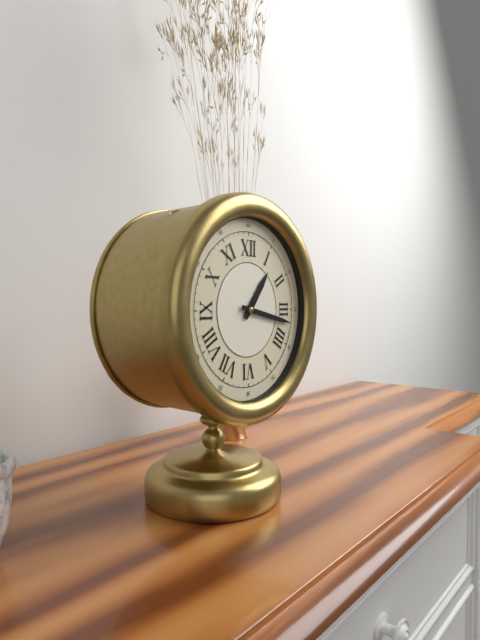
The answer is 1:17
